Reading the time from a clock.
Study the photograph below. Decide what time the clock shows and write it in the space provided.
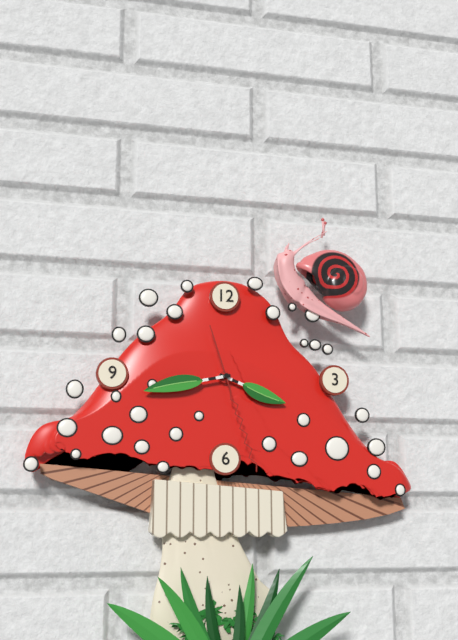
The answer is 3:43:27
